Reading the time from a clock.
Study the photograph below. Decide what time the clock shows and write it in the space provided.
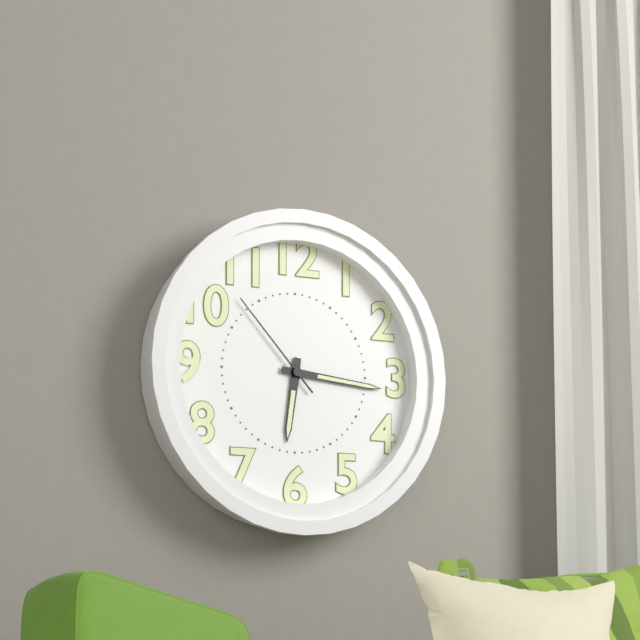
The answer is 6:16:53
